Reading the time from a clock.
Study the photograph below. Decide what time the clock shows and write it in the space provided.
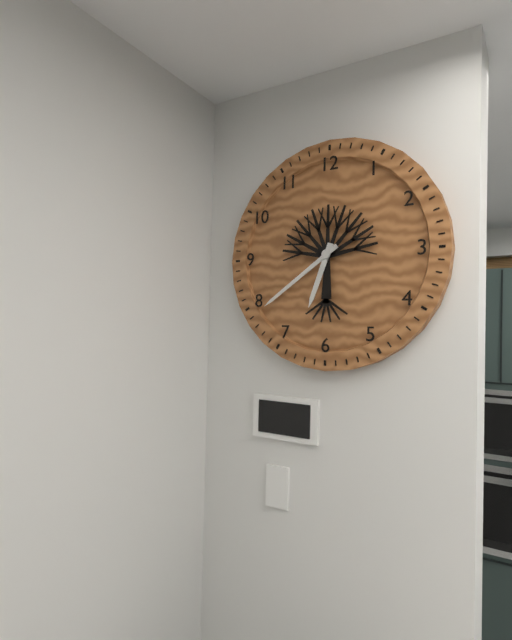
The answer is 6:39
